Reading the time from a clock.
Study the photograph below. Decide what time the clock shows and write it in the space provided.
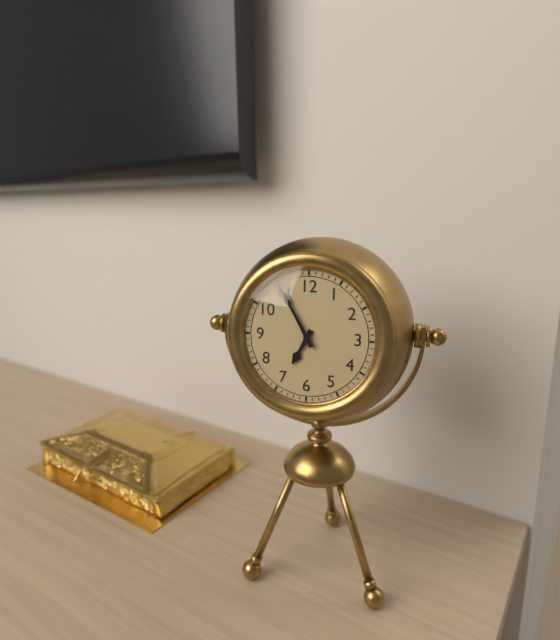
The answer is 6:55
